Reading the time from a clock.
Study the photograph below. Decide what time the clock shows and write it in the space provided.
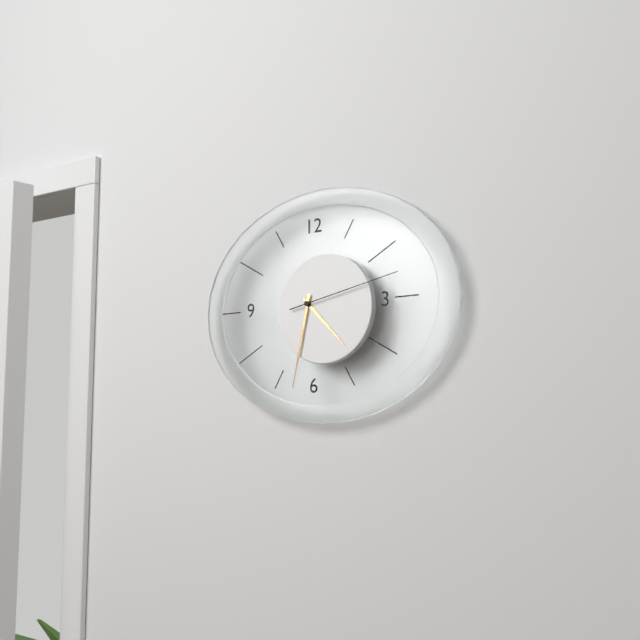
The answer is 4:32:13
